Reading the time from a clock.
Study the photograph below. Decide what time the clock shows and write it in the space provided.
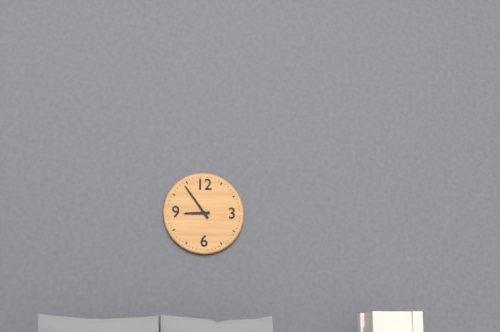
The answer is 8:54
